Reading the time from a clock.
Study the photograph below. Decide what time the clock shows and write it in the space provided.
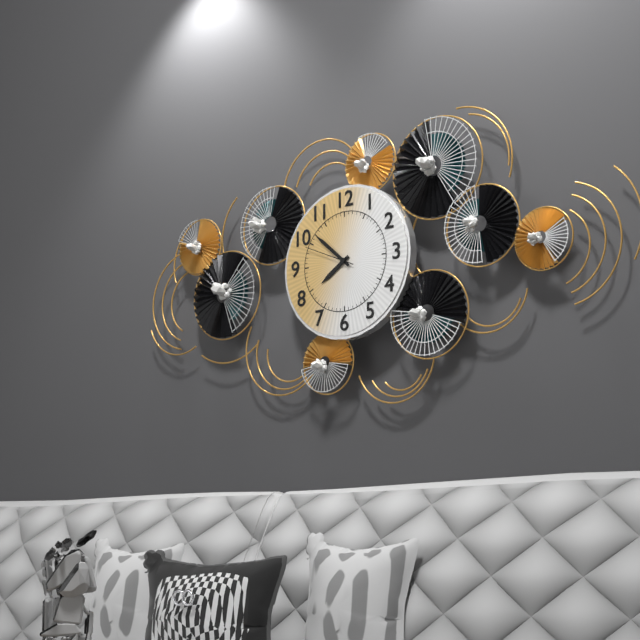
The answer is 7:52
